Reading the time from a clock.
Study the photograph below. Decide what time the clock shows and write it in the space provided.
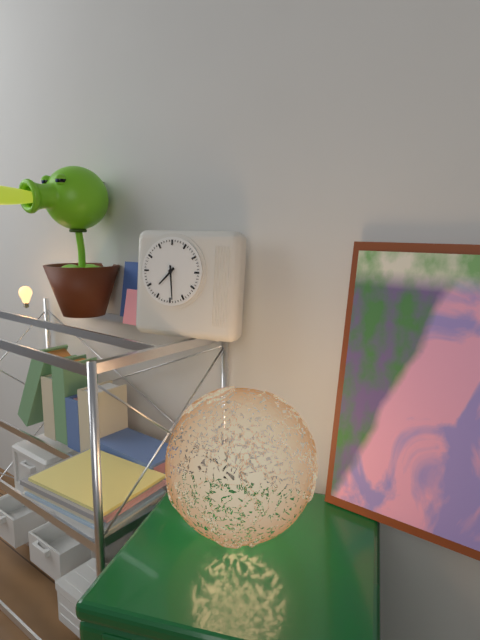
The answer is 7:29
